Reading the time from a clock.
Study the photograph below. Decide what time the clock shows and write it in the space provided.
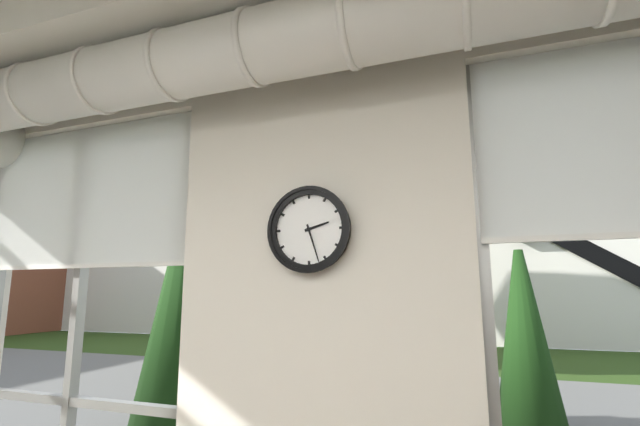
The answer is 2:27
